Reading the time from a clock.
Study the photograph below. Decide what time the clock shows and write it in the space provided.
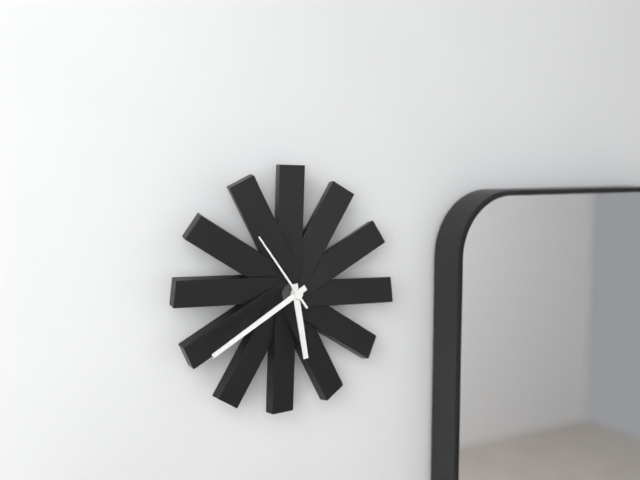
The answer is 5:40:54
